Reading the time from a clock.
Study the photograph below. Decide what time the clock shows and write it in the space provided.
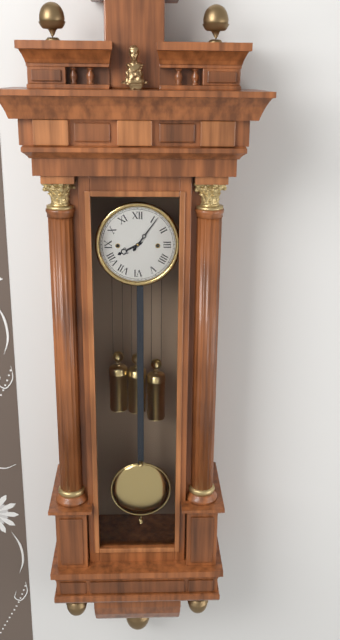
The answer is 8:06
